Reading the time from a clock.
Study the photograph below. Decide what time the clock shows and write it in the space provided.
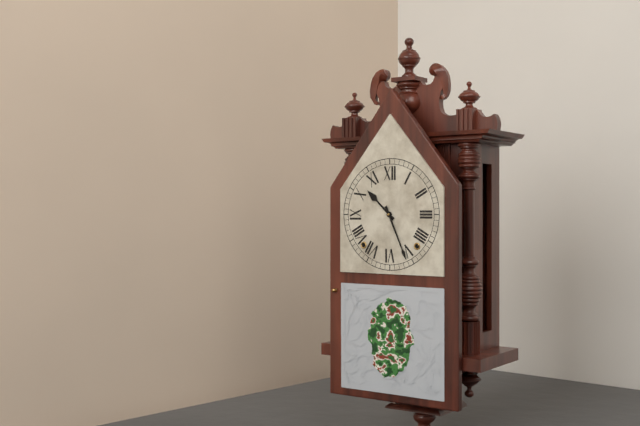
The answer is 10:26
